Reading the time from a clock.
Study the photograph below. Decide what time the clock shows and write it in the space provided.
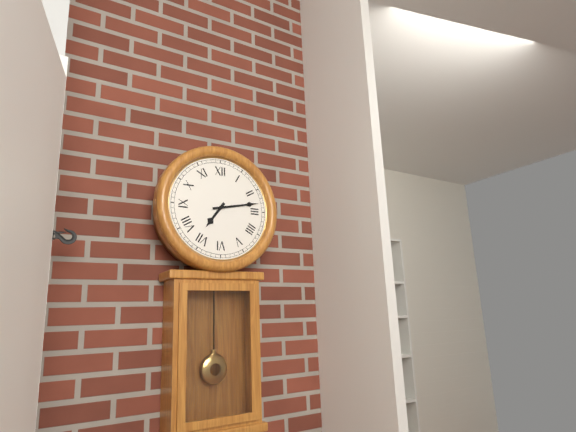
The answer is 7:13
